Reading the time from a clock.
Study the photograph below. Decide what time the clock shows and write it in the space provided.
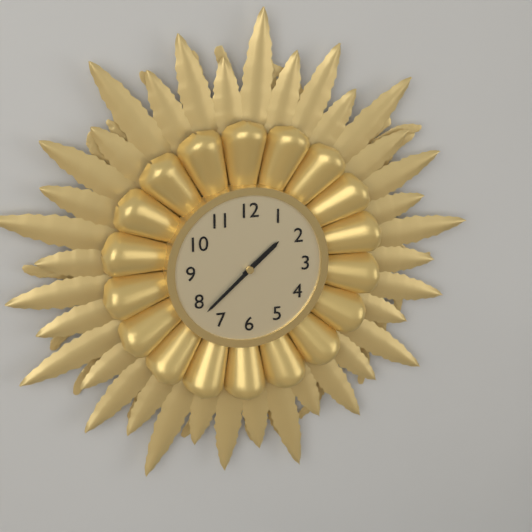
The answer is 1:38
